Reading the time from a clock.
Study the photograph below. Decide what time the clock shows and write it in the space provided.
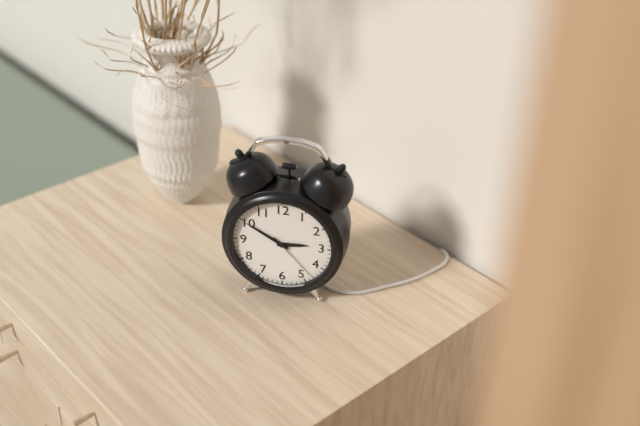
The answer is 2:50:23
